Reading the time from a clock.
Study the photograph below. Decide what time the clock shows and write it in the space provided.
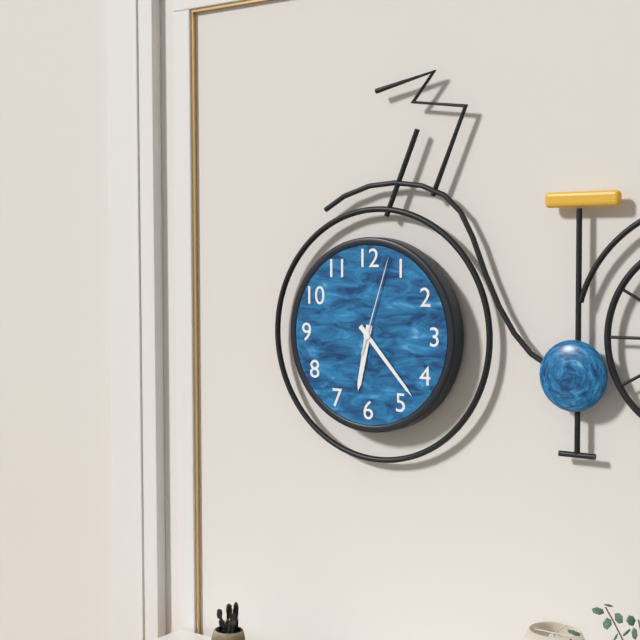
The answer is 6:23:03
